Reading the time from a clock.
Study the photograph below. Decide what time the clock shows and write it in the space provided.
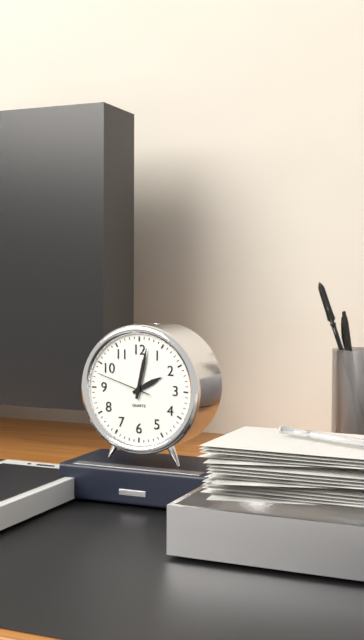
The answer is 2:02:48
